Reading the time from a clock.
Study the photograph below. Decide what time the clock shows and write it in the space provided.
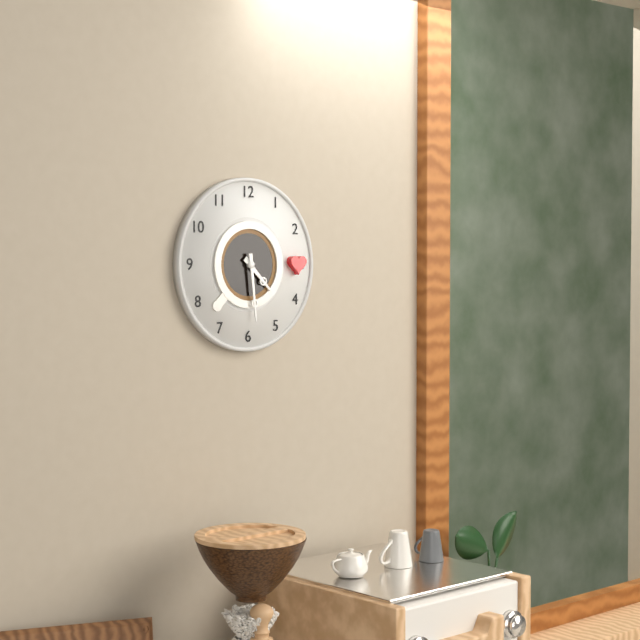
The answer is 4:29
